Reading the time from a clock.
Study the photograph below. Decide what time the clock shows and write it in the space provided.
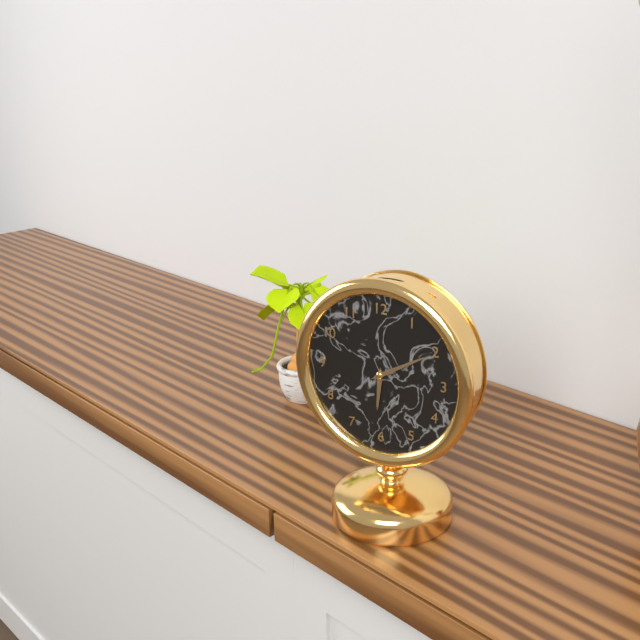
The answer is 6:10
